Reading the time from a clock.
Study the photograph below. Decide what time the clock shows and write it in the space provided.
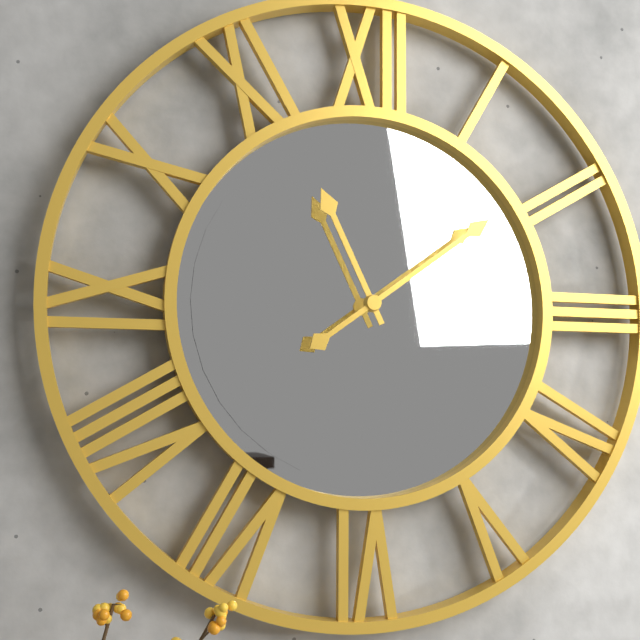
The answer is 11:09
